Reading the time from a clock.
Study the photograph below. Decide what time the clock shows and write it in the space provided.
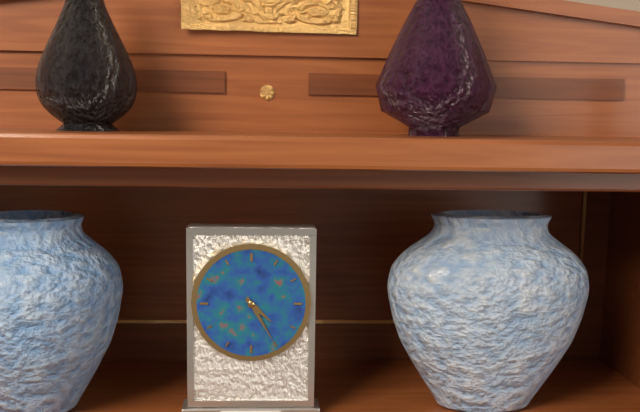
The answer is 4:25
